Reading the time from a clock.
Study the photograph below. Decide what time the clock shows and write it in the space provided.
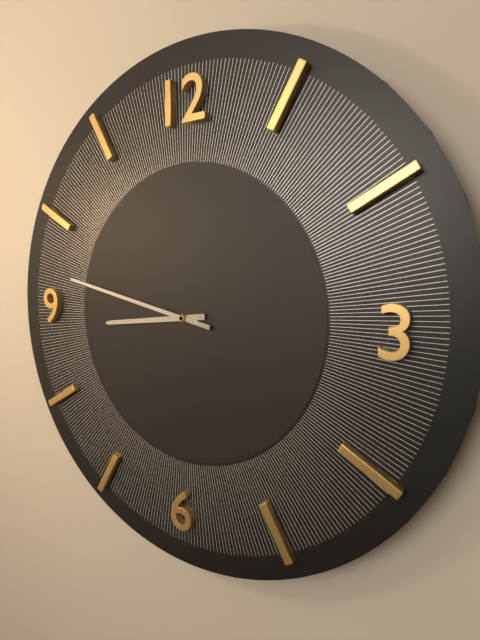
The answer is 8:47
